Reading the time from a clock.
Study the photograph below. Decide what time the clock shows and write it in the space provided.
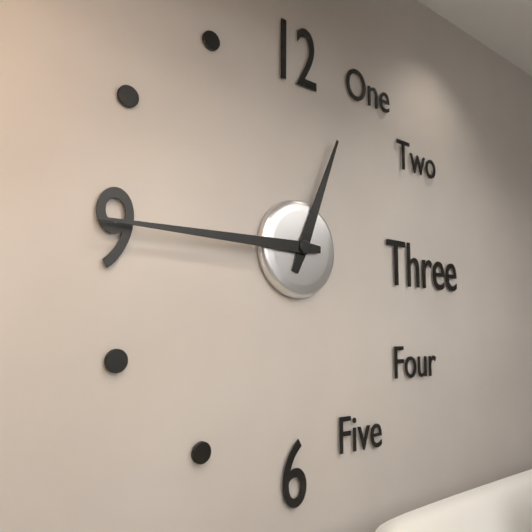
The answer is 12:45
